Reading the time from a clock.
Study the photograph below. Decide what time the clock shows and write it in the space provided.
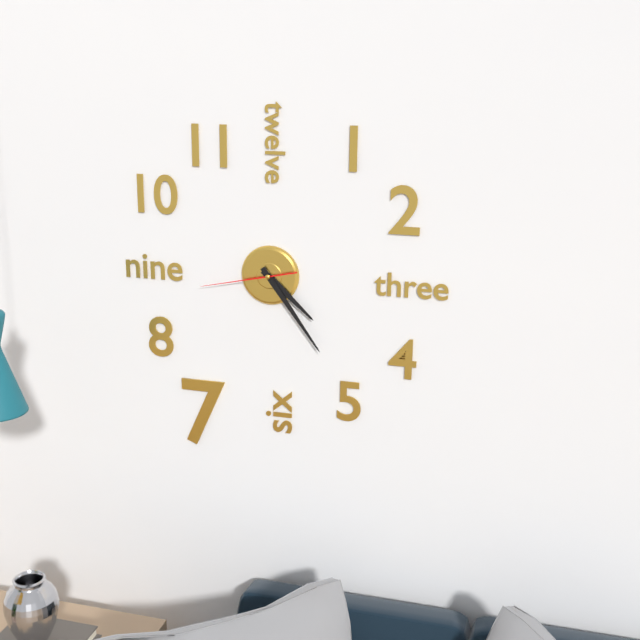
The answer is 4:24:43
